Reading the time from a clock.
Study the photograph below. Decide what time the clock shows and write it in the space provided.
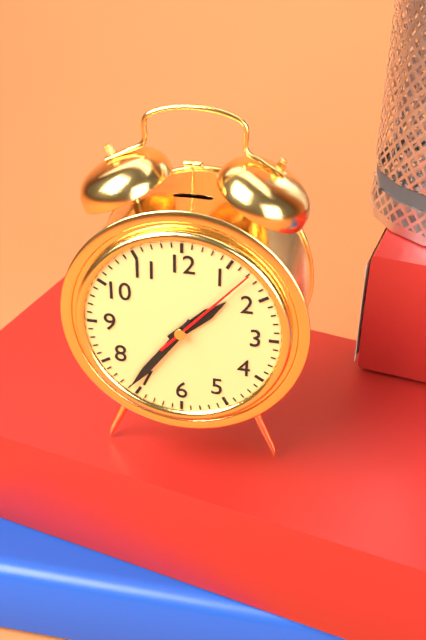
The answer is 1:36:07
